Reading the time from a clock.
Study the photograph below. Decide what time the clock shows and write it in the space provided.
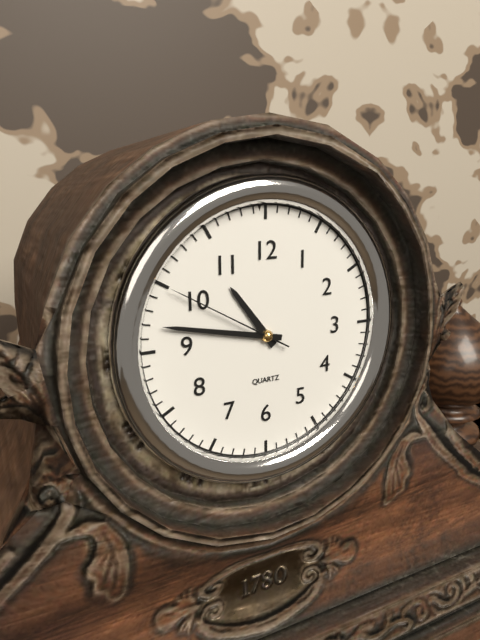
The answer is 10:47:50
